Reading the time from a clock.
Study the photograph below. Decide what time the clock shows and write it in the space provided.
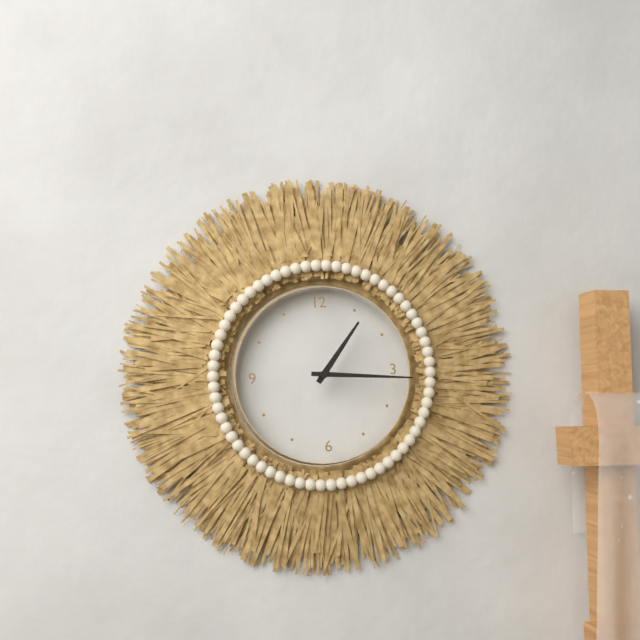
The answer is 1:16
